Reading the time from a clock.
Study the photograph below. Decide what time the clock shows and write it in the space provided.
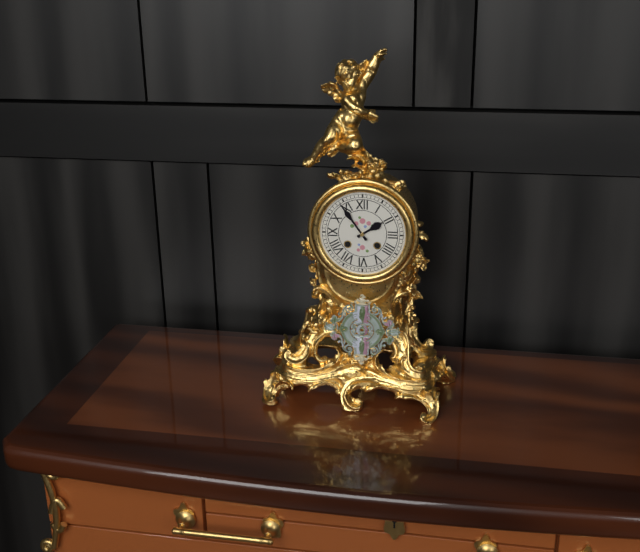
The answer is 1:54
